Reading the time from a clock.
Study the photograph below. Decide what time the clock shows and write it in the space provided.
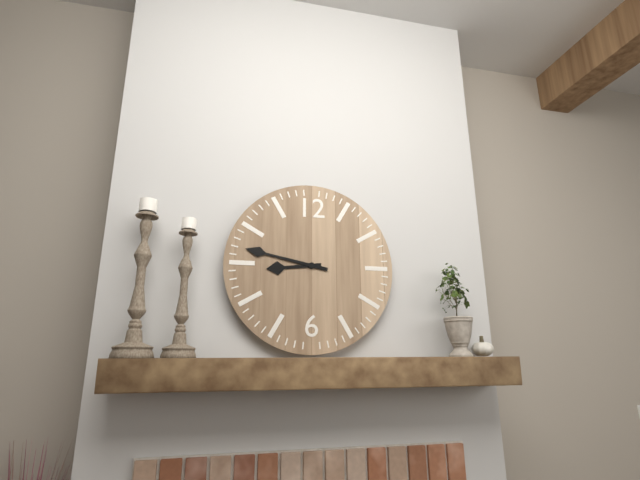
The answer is 8:47
